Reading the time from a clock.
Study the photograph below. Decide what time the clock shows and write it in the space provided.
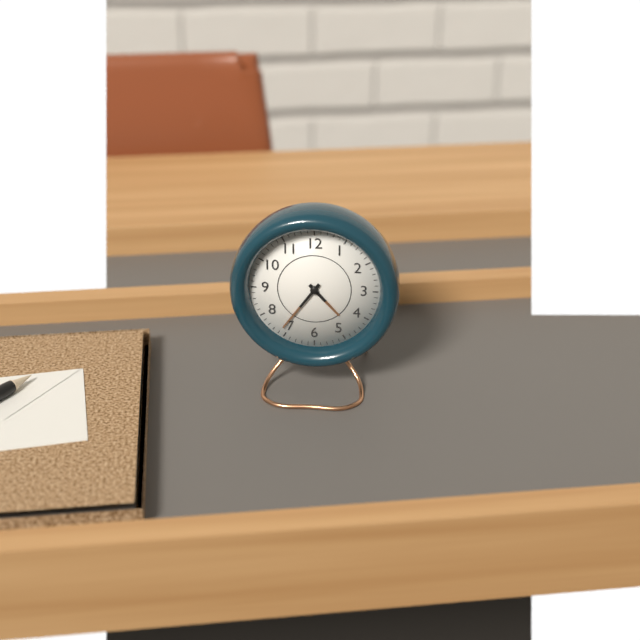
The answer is 4:36
